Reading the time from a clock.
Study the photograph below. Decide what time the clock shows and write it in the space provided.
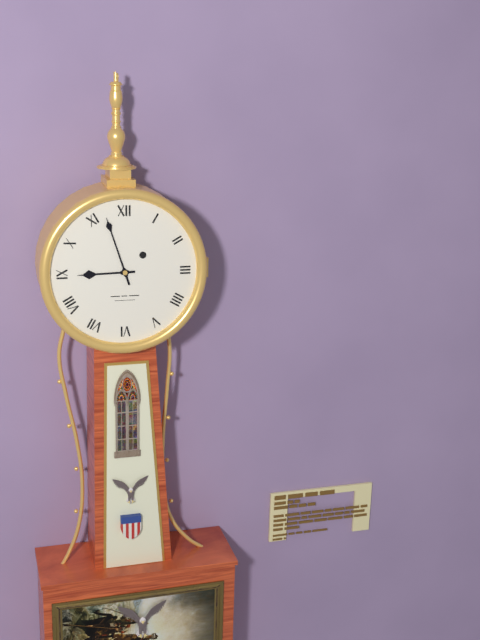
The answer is 8:57
